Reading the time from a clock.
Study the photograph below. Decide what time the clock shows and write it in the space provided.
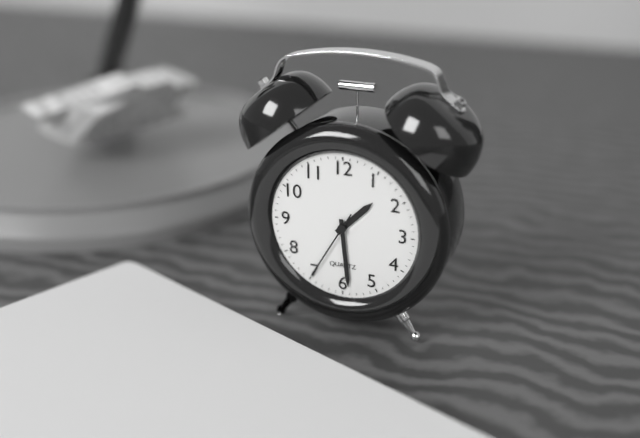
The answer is 1:29:35
